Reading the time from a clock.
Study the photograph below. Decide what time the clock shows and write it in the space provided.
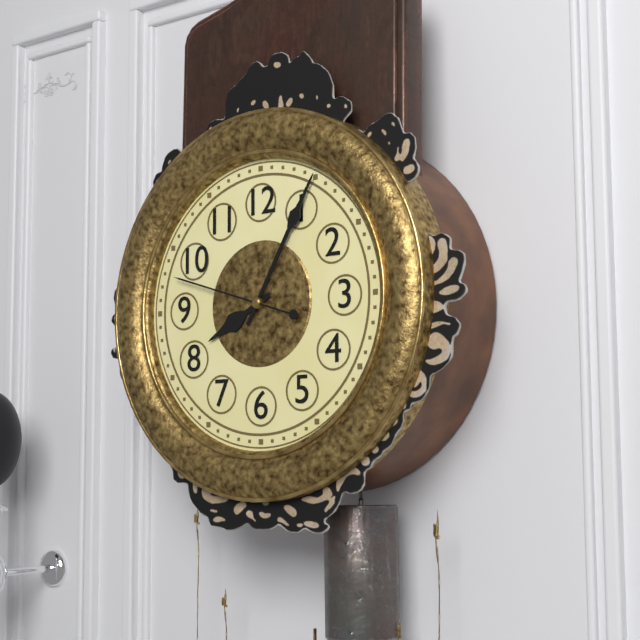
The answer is 8:05:48
